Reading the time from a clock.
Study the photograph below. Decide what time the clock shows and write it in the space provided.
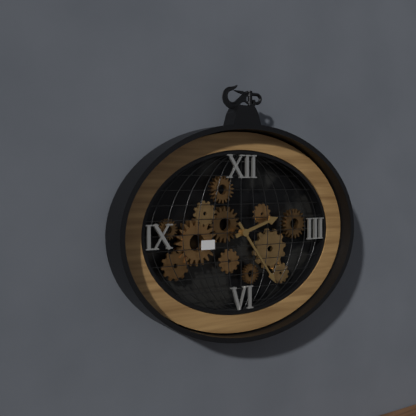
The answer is 2:24
